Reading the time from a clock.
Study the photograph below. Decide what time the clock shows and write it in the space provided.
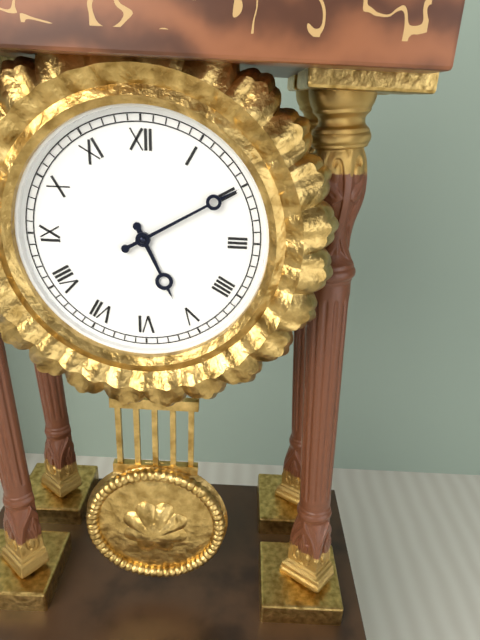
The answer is 5:10
